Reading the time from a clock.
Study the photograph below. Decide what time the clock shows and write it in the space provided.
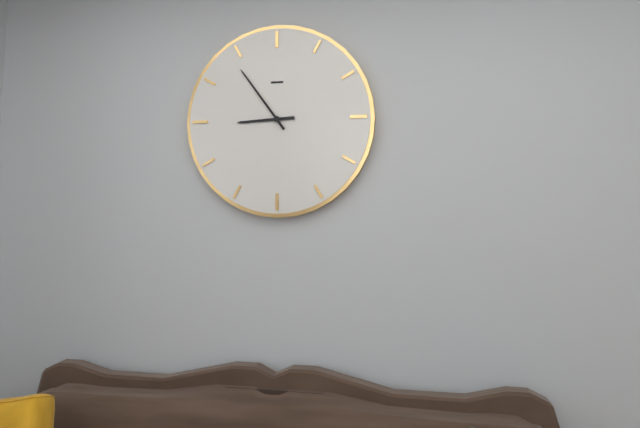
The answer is 8:54
